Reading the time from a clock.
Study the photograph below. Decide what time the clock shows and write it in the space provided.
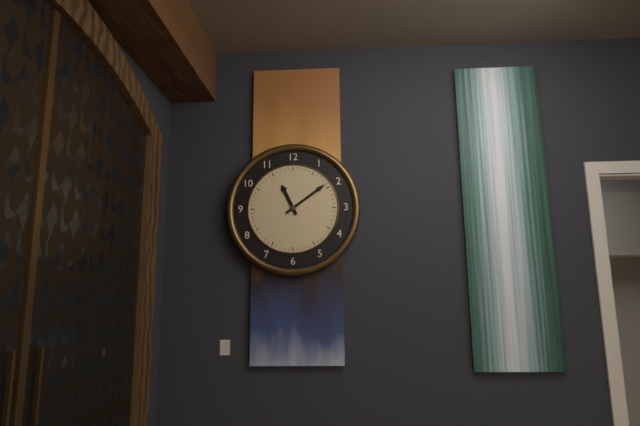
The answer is 11:09
